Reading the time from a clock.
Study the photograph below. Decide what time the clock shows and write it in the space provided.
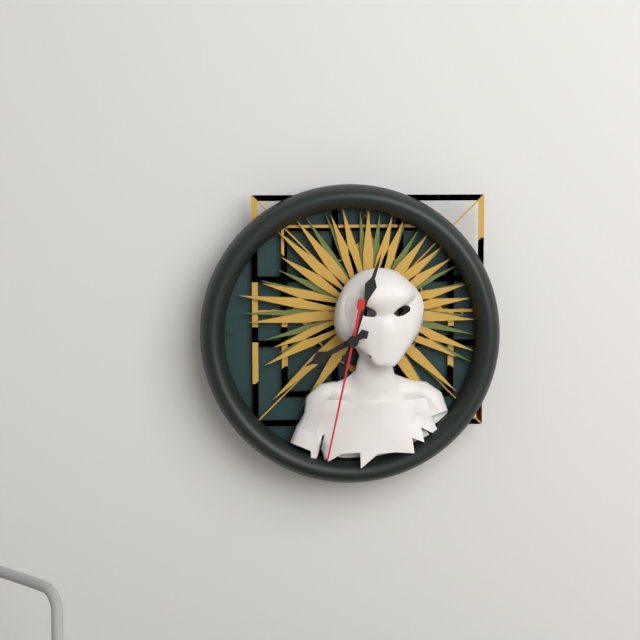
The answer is 8:03:32
